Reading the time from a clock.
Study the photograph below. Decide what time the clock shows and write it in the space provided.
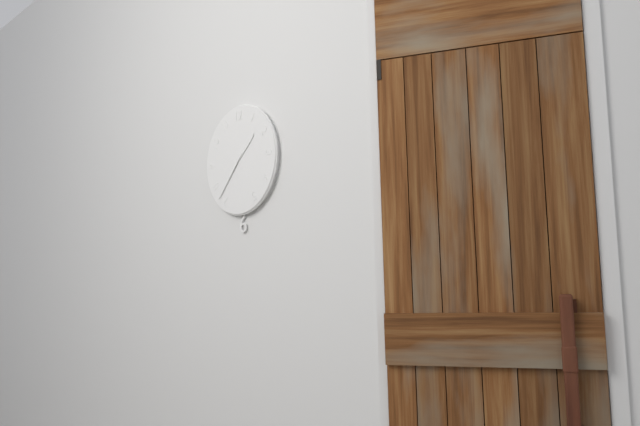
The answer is 1:37
